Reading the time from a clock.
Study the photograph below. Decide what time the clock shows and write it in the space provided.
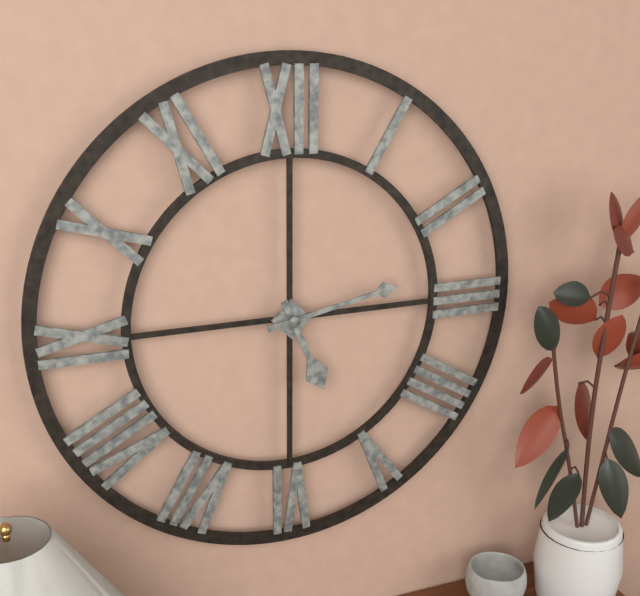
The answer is 5:13
